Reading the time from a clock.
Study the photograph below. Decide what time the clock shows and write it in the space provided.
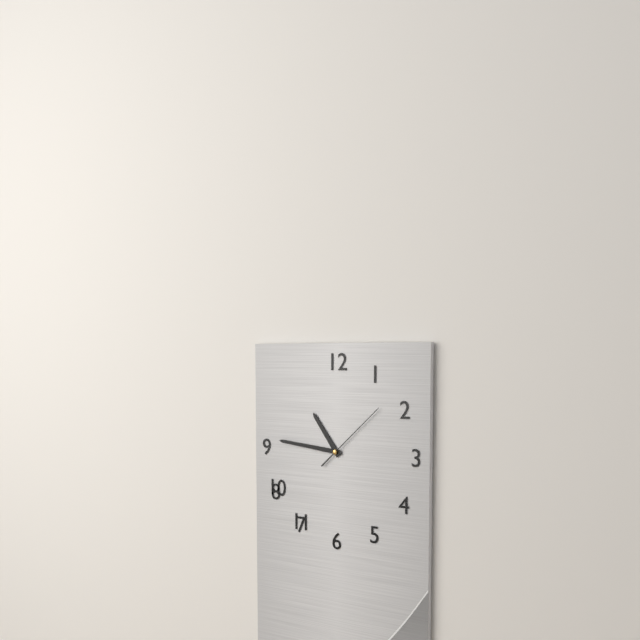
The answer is 10:46:08
